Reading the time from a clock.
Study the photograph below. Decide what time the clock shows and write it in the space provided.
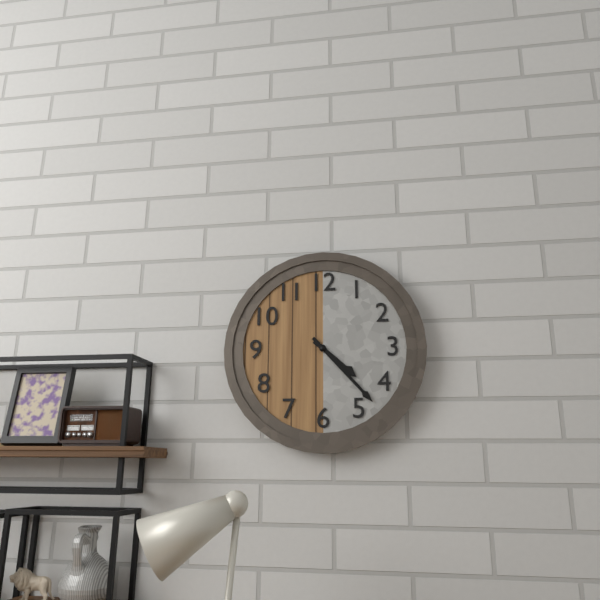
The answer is 4:23
